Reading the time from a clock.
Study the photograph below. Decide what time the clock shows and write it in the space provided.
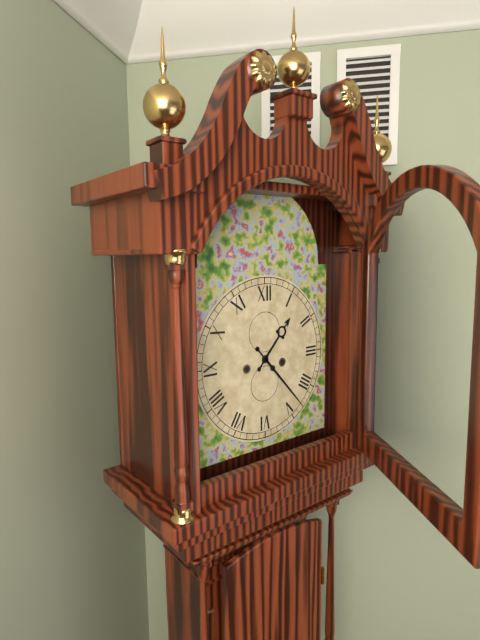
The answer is 1:23
